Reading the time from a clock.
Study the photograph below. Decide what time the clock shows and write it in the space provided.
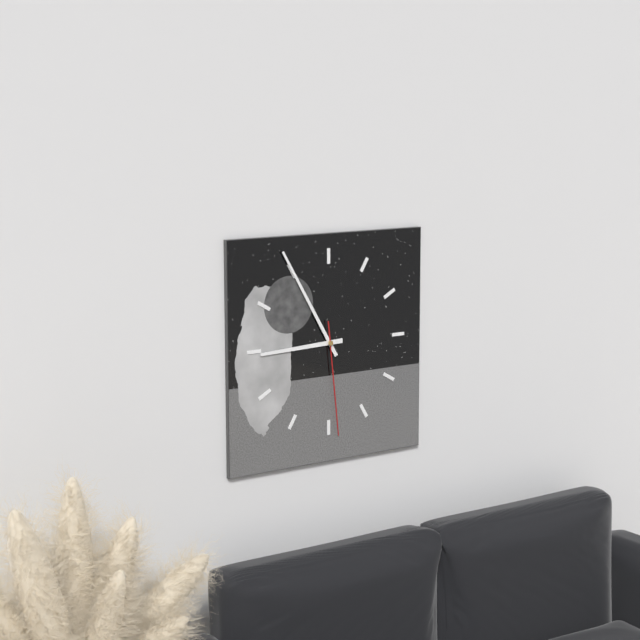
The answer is 8:55:29
